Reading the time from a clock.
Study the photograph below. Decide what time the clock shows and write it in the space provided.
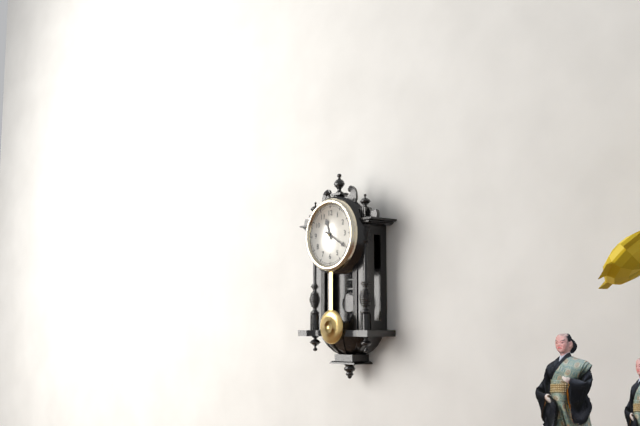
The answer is 11:20
